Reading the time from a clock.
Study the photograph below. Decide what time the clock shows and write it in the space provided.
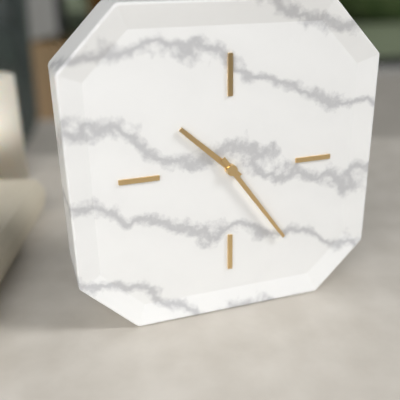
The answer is 10:24
